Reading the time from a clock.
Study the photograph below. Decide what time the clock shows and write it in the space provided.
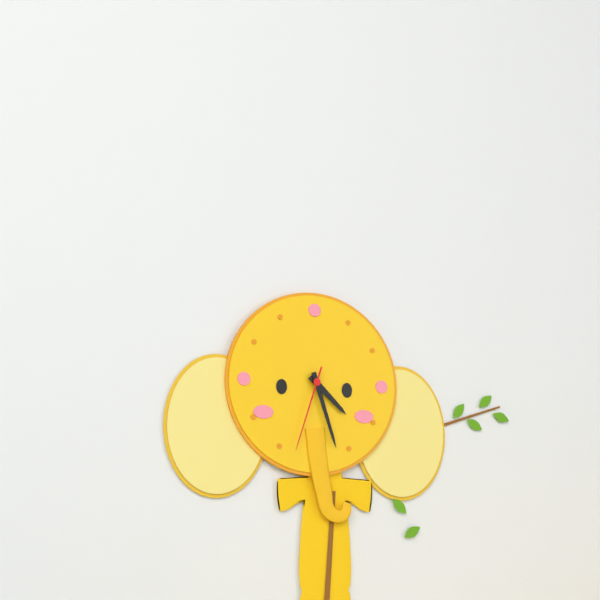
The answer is 4:27:33
